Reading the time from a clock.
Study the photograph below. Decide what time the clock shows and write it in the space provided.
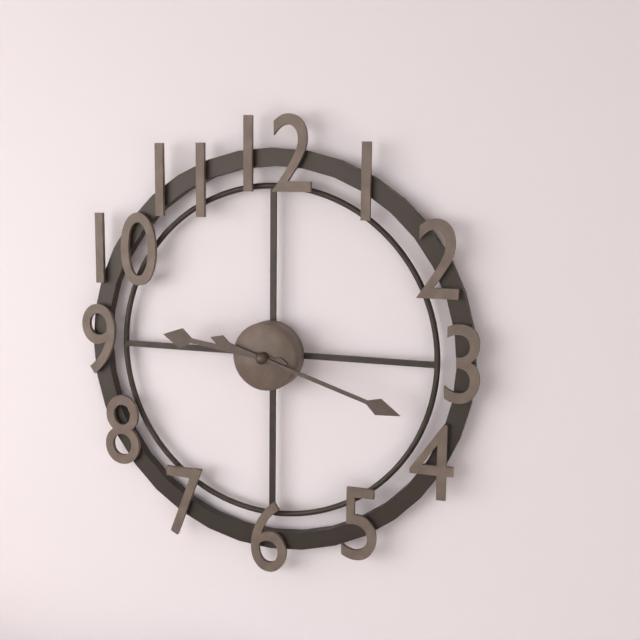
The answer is 9:18
